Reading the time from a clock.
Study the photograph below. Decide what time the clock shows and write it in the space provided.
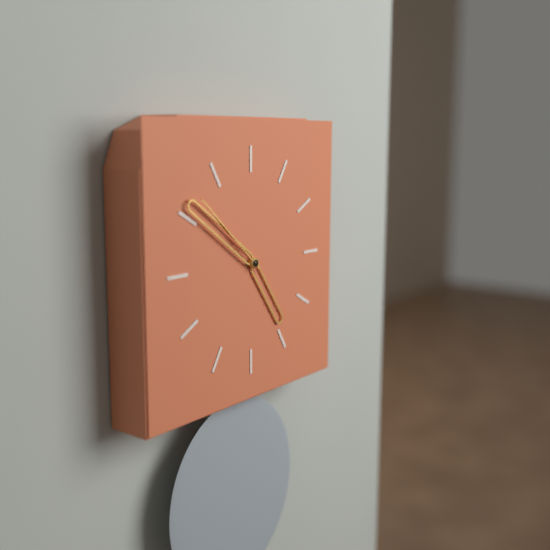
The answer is 4:51:52
